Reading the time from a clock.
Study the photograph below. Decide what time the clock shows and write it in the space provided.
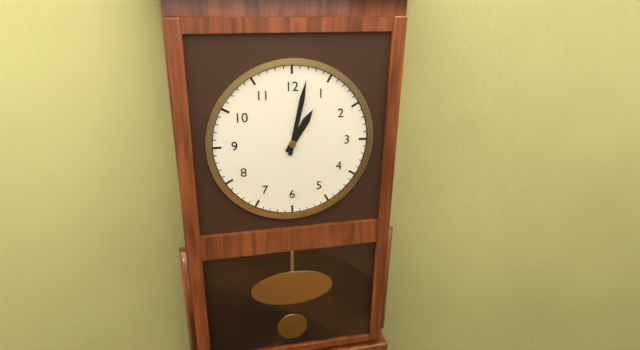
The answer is 1:02
